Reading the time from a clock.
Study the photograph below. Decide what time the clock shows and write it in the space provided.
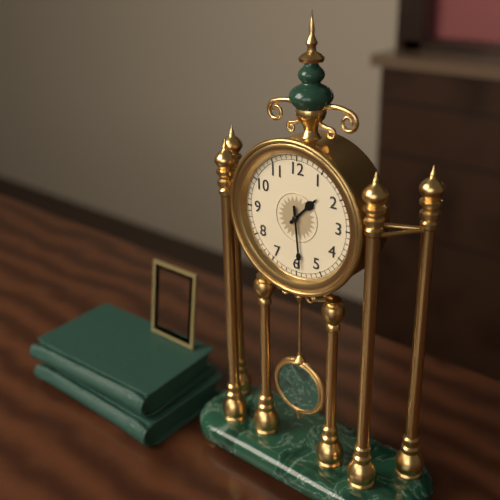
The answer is 1:29
